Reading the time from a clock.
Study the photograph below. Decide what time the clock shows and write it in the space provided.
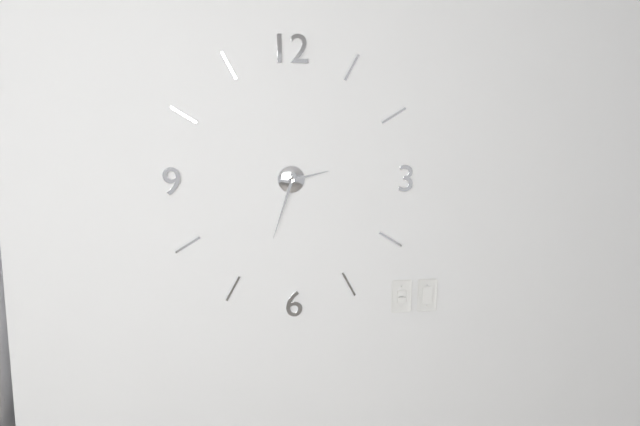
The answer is 2:33
